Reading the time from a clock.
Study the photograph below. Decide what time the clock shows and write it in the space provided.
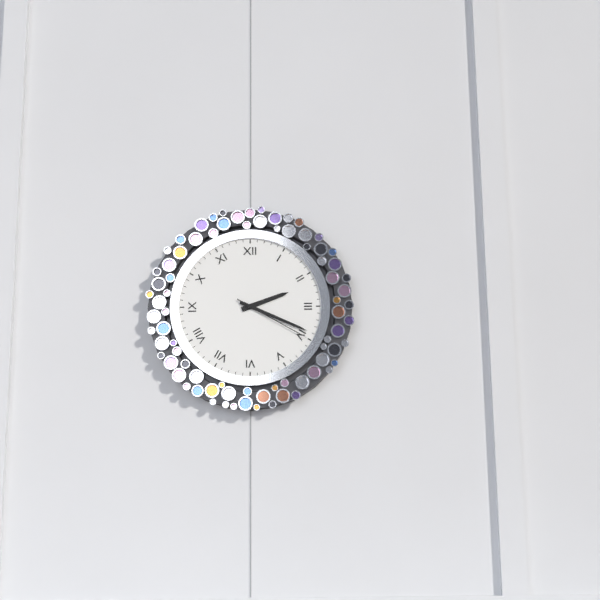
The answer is 2:19:20
